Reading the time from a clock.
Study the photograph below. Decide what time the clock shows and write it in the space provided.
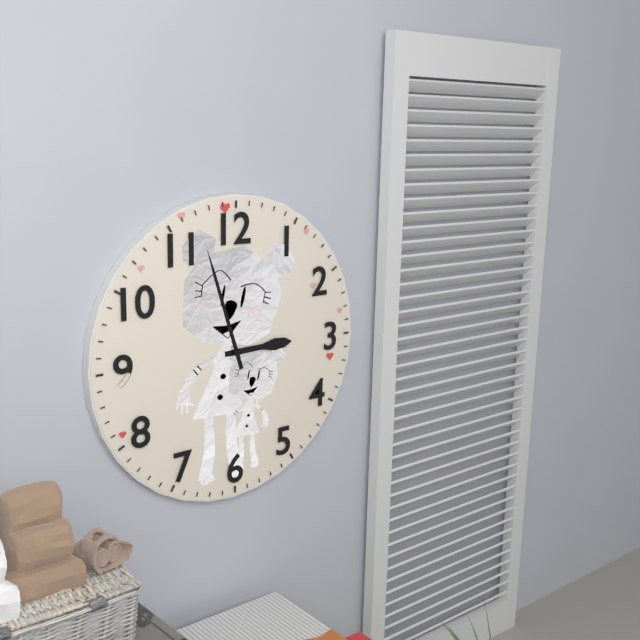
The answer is 2:57
